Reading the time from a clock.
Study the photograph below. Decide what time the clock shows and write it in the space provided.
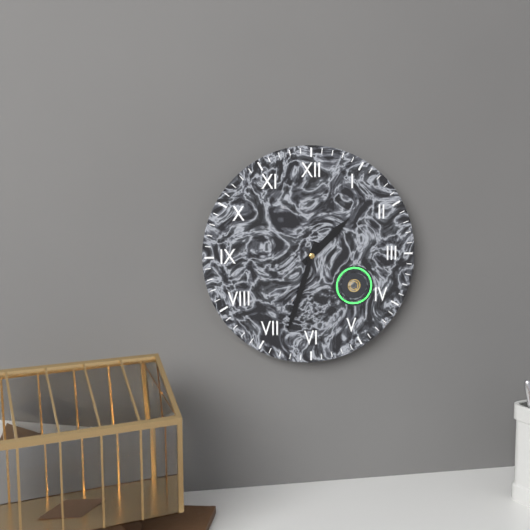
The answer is 1:33
